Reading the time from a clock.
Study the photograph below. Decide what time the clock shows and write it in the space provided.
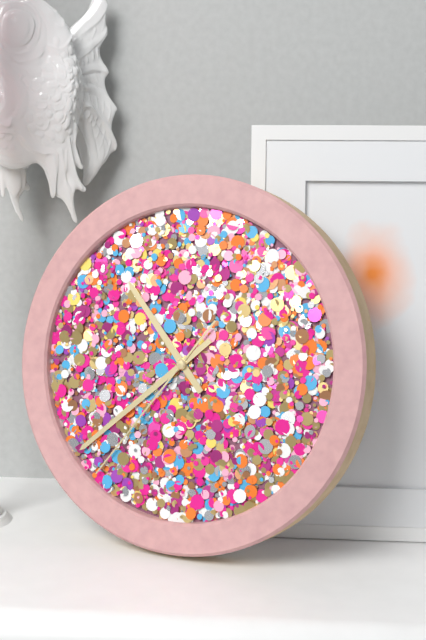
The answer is 10:38:36
